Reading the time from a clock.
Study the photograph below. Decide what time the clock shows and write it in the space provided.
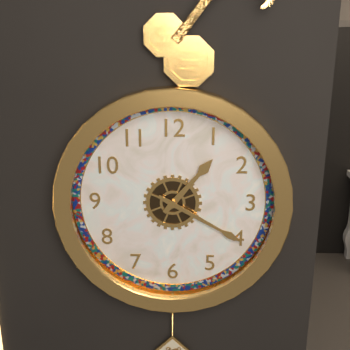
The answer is 1:20
